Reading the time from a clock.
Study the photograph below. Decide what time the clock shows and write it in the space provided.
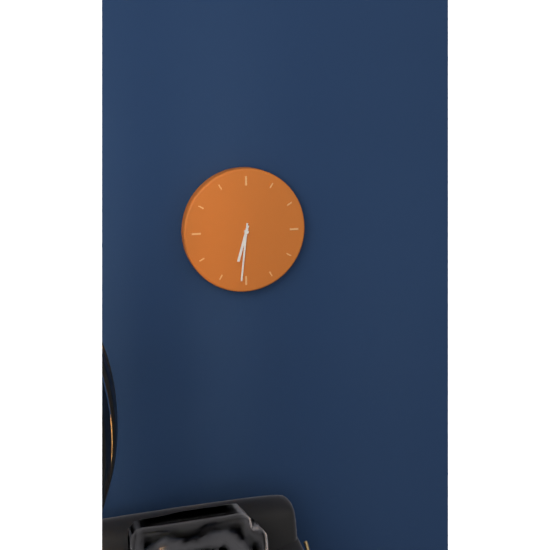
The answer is 6:31
